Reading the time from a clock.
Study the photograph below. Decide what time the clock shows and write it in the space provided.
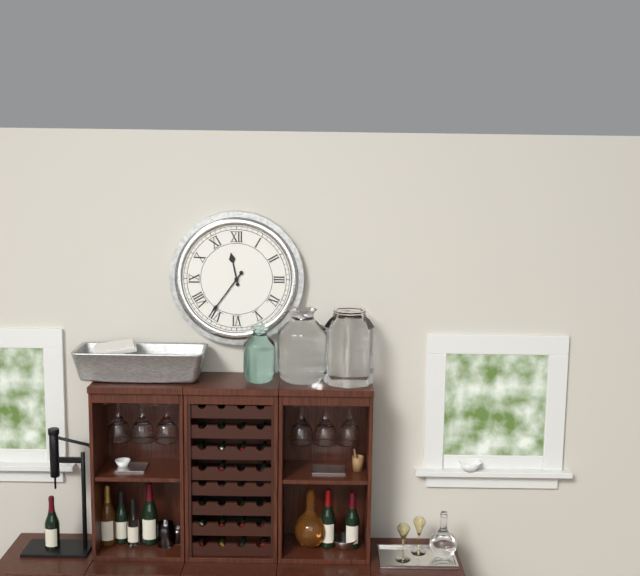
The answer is 11:36
